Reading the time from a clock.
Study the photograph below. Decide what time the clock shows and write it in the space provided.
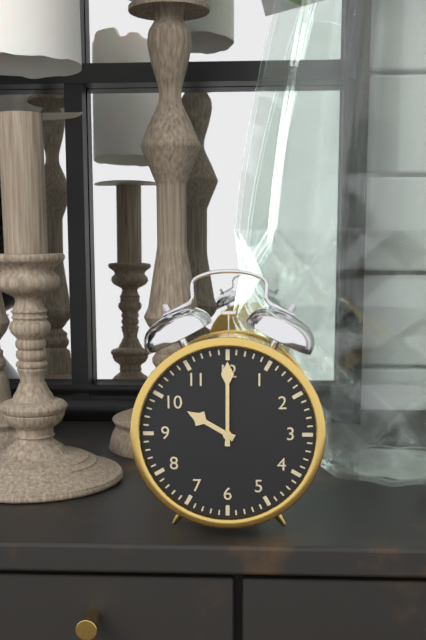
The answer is 10:00
